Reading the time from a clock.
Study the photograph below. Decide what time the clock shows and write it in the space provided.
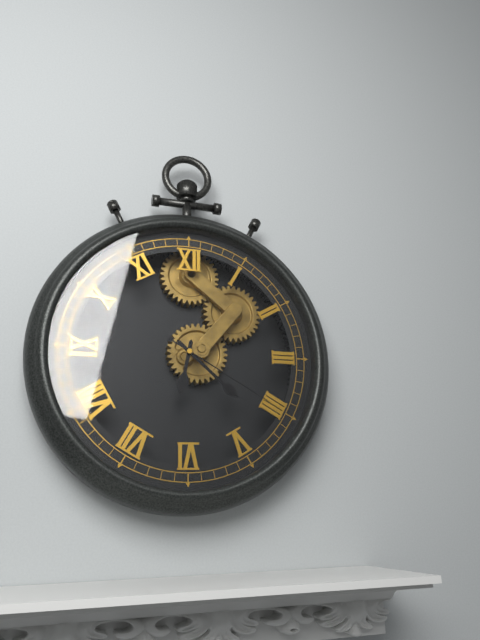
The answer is 6:22:20
